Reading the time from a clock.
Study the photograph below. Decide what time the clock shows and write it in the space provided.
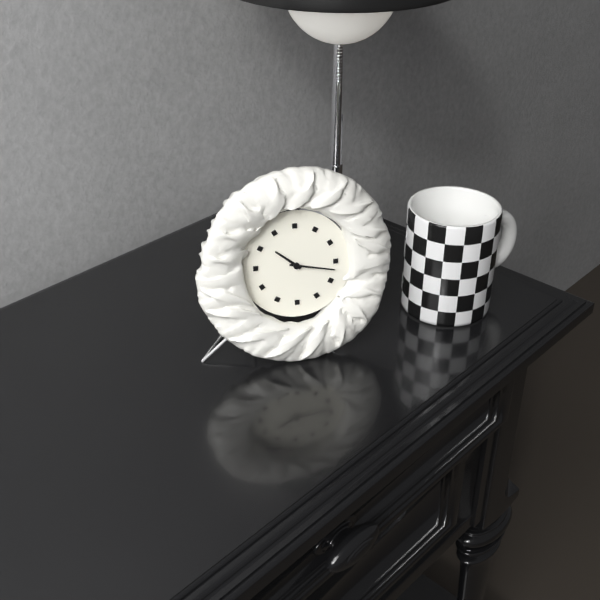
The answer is 10:17
